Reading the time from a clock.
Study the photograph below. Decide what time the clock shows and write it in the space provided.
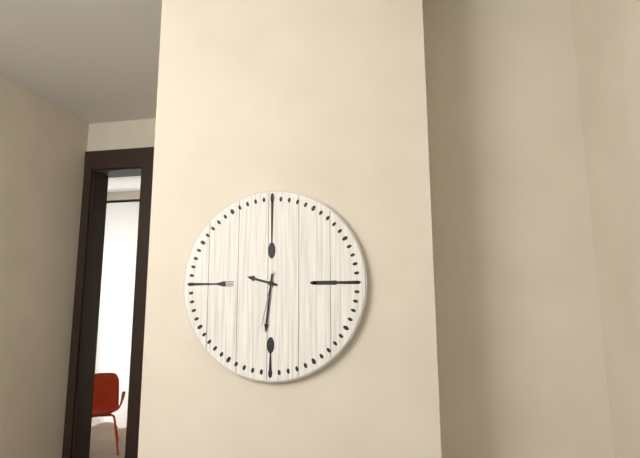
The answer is 9:31:32
